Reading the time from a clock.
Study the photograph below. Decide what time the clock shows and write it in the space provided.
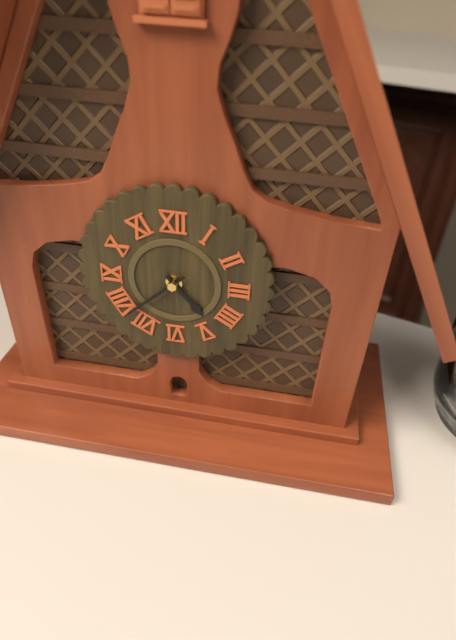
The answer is 4:38
